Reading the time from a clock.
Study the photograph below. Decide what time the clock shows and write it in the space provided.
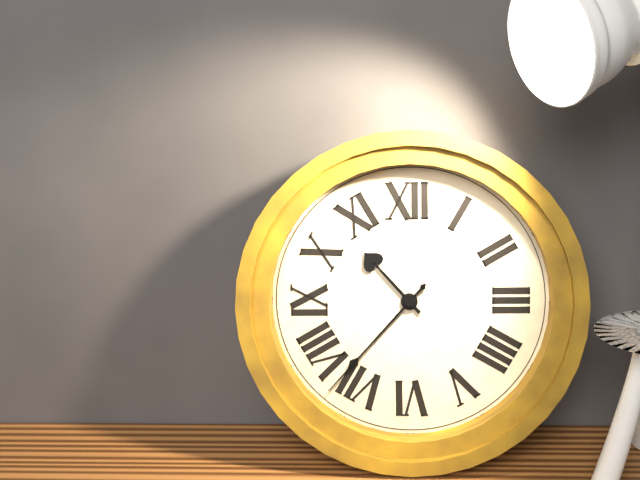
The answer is 10:37
